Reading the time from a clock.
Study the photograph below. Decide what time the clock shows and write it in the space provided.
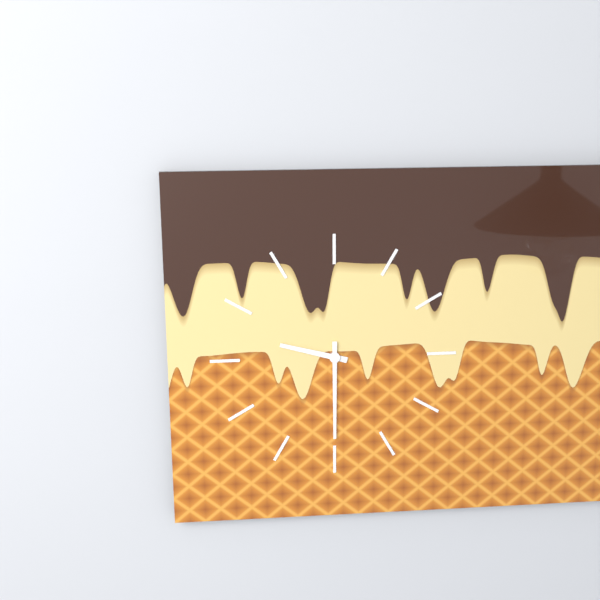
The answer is 9:30
